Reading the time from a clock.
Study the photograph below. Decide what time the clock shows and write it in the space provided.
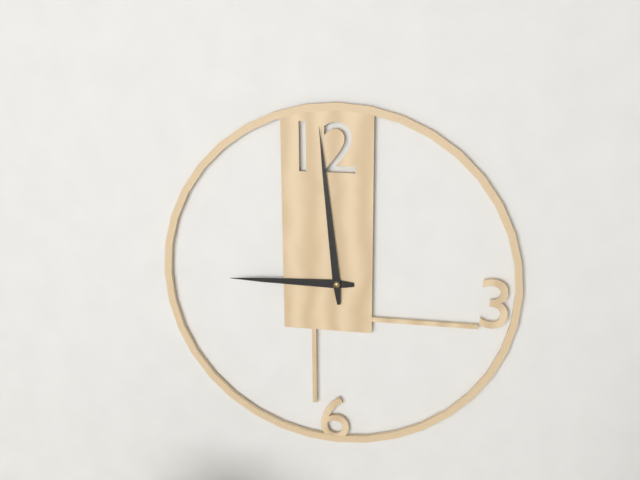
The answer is 8:59
